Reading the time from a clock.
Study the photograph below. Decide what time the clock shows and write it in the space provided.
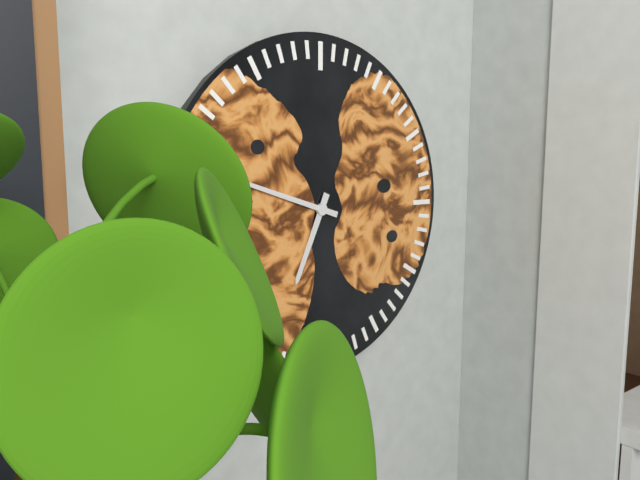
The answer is 6:48
